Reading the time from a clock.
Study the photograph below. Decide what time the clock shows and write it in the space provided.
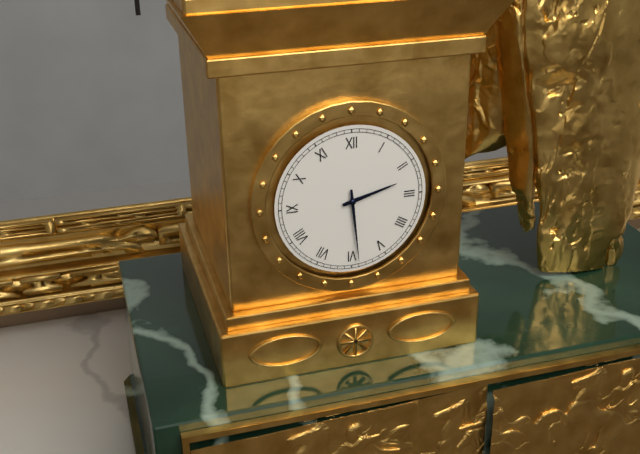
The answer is 2:29
